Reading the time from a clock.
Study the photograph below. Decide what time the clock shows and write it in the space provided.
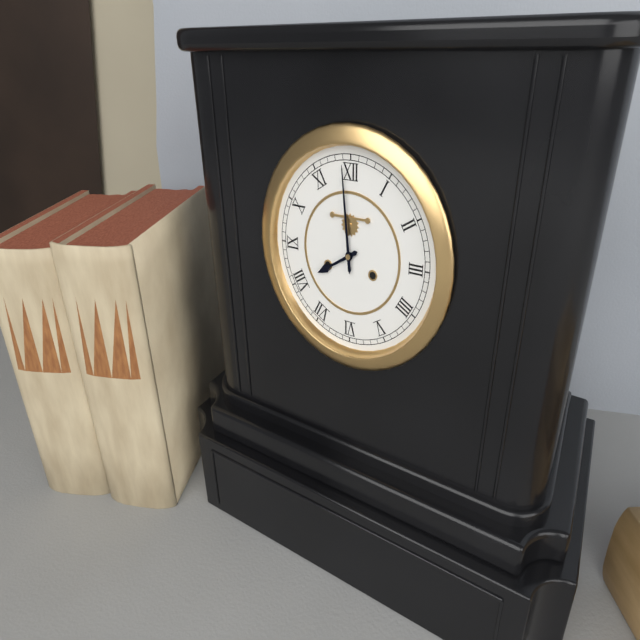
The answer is 7:59
